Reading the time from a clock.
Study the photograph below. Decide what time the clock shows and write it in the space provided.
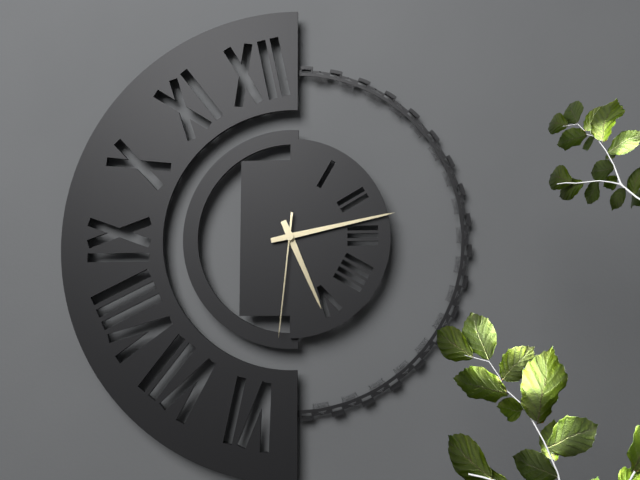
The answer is 5:13:31
